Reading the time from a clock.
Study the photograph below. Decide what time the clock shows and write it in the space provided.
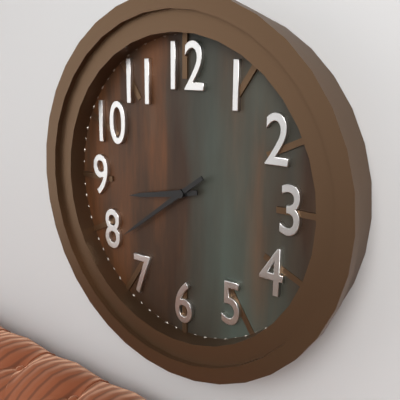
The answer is 8:39
